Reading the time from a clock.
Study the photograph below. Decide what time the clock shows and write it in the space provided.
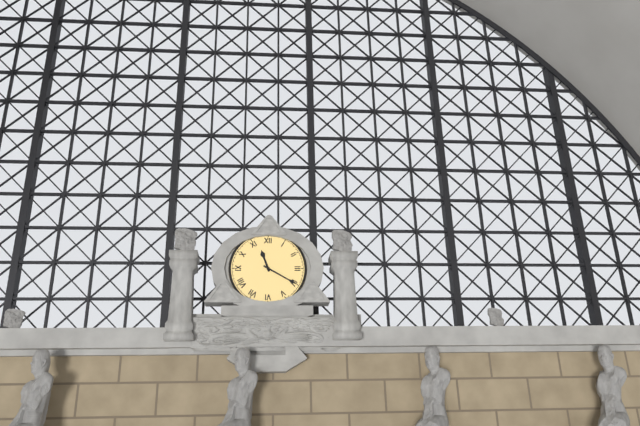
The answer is 11:20
